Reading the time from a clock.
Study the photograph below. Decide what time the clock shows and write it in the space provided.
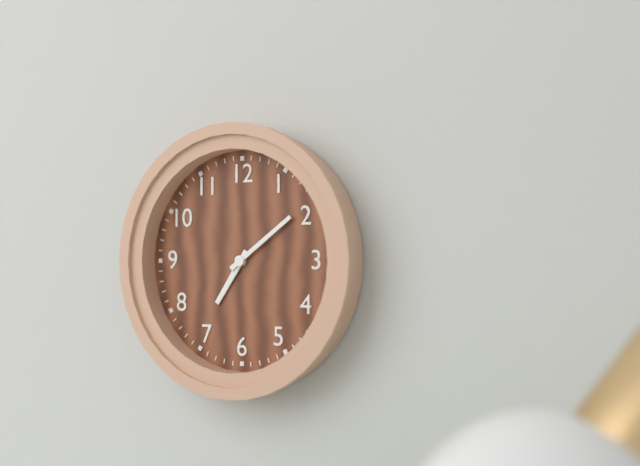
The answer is 7:09
